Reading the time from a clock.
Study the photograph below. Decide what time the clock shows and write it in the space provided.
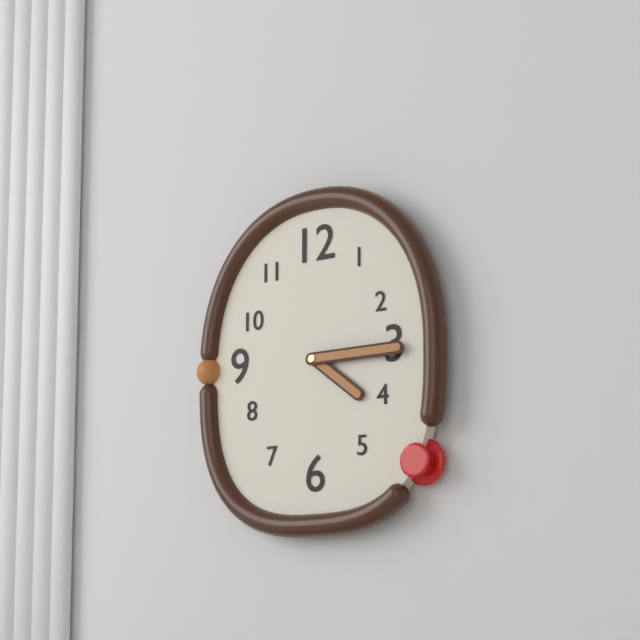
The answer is 4:15
